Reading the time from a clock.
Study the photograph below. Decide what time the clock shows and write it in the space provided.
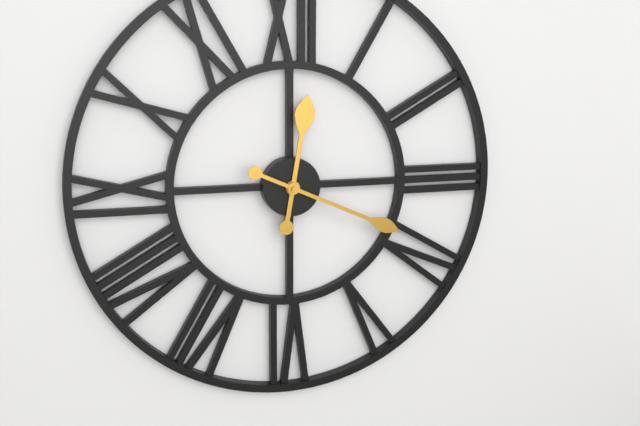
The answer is 12:19
